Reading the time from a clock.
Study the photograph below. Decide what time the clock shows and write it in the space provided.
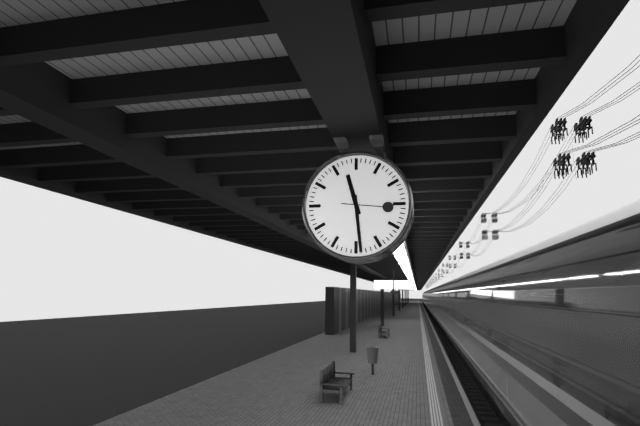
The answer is 11:29
